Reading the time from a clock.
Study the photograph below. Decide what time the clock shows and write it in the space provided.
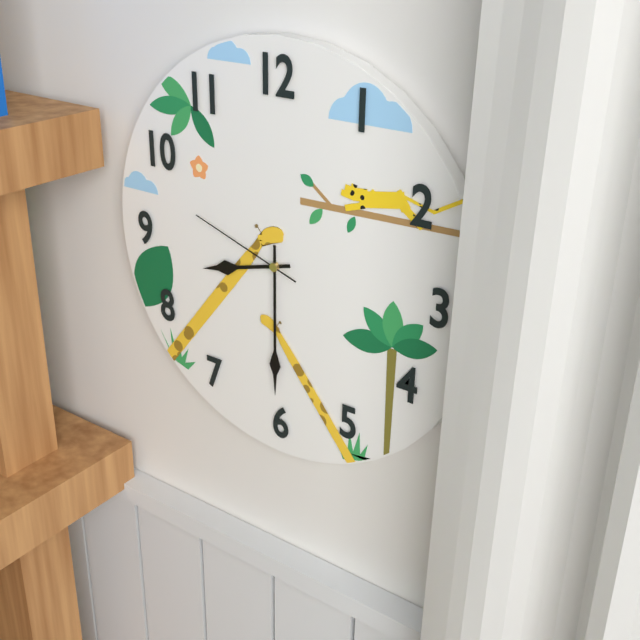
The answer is 8:30:48
